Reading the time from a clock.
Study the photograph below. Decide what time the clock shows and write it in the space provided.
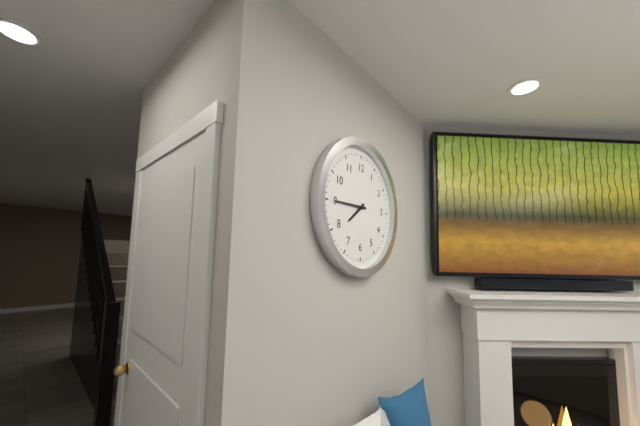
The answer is 7:45
